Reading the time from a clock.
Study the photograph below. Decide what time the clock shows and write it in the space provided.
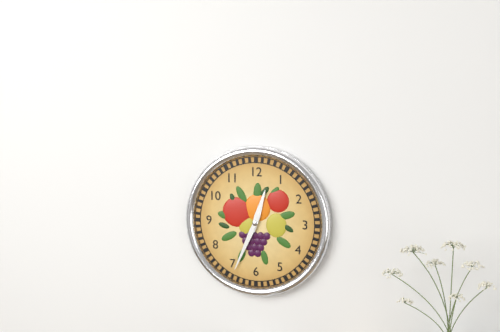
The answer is 12:34
